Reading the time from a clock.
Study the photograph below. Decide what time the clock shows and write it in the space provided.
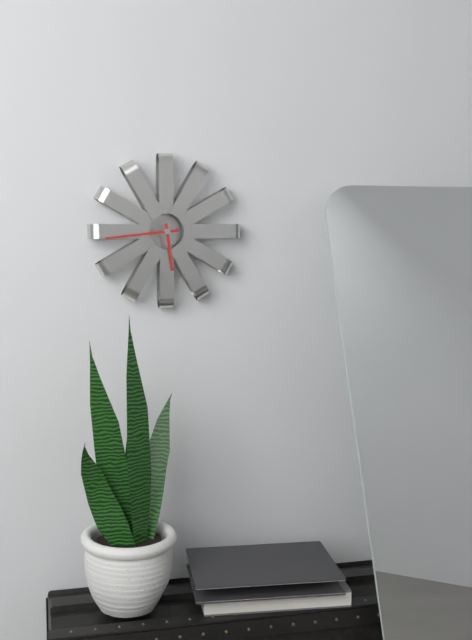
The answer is 5:44
